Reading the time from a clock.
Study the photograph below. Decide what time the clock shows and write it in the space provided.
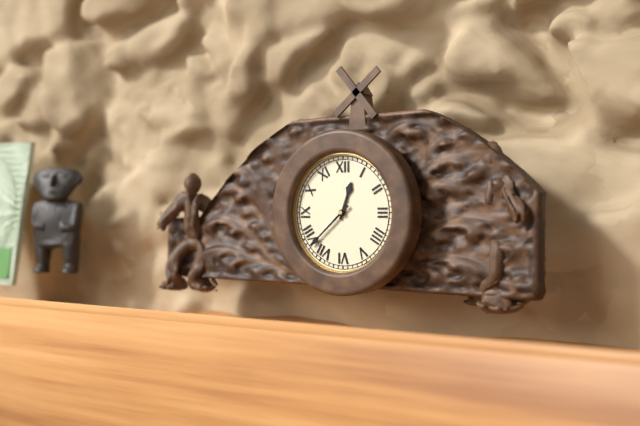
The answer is 12:38
